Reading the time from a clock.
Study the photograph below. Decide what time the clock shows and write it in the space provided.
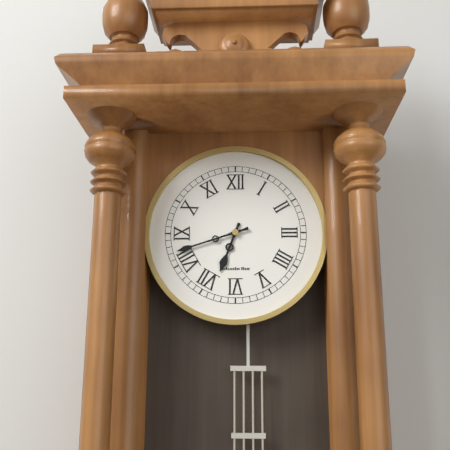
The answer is 6:42
